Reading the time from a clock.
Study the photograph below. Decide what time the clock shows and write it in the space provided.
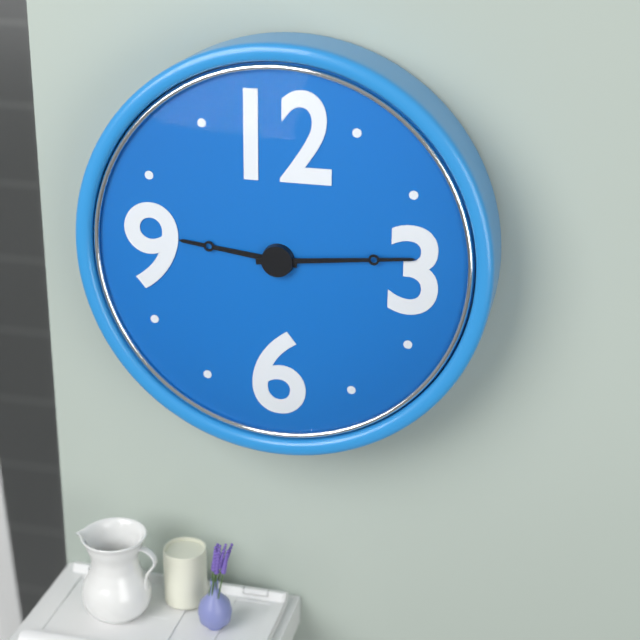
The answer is 9:14
